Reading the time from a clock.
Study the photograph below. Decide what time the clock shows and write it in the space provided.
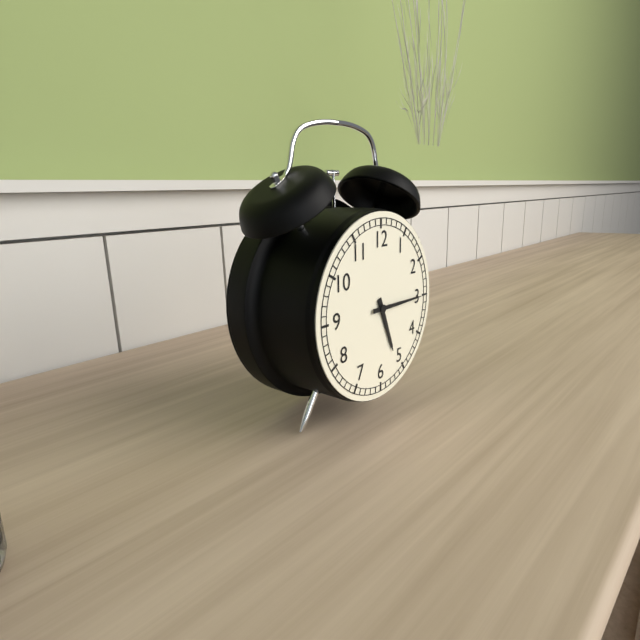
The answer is 5:15
